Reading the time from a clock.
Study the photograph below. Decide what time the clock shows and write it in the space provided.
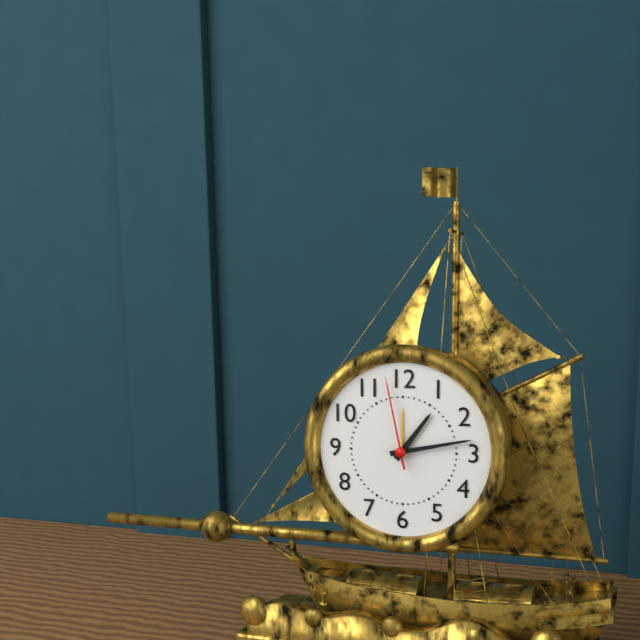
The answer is 1:13:58
